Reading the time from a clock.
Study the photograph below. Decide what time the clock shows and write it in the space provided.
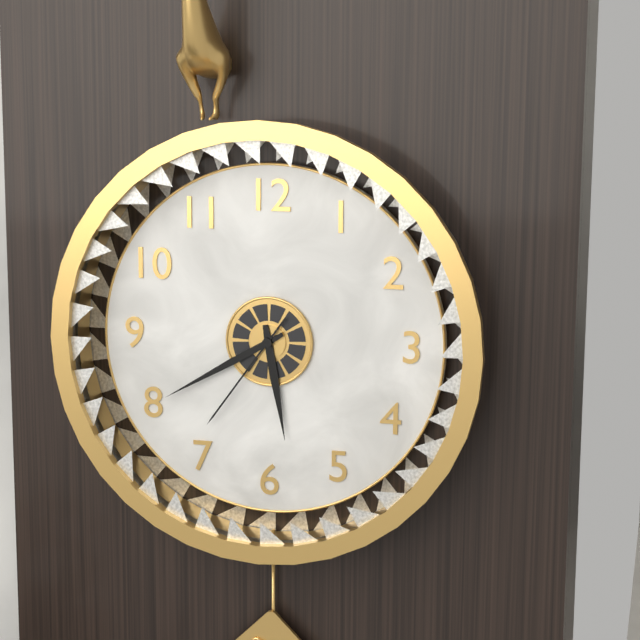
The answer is 5:40:36
